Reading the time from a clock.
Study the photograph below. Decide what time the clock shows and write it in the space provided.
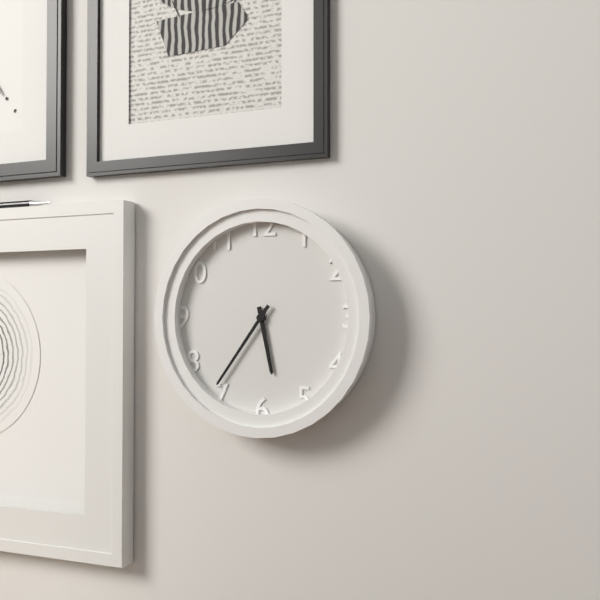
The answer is 5:36
